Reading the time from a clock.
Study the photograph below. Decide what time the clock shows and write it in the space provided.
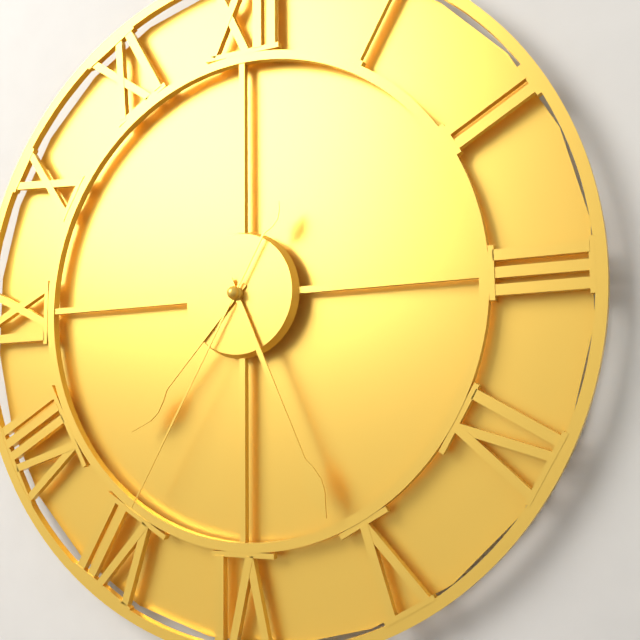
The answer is 7:26:35
